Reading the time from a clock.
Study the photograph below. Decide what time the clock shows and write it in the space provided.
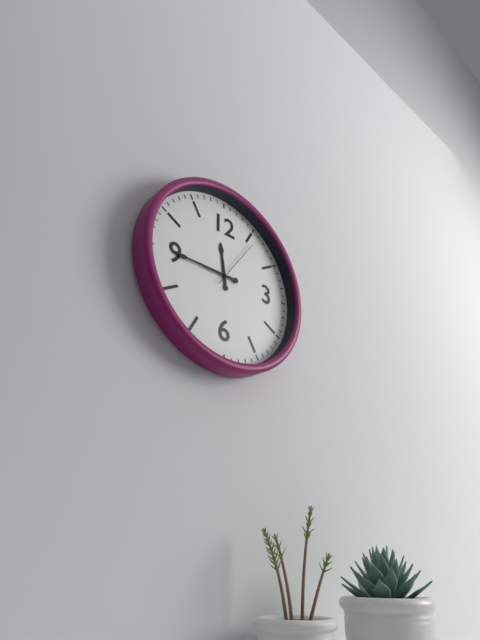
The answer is 11:45:06
